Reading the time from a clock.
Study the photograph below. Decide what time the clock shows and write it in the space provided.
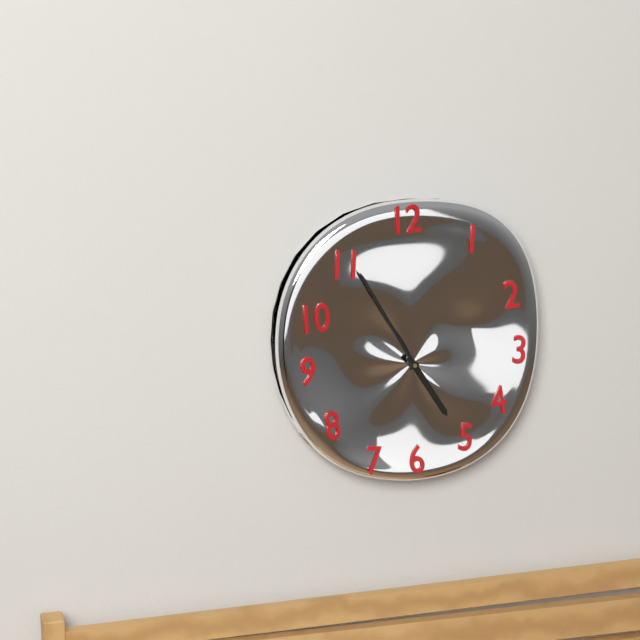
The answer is 4:55
